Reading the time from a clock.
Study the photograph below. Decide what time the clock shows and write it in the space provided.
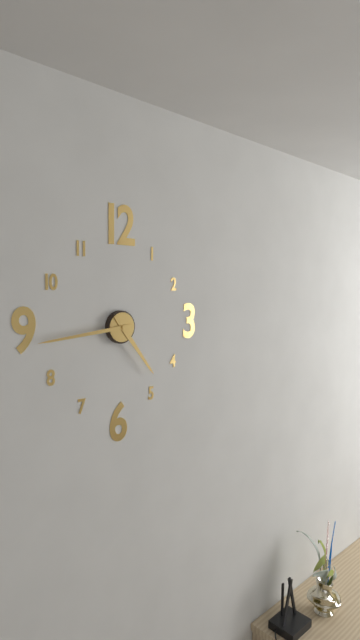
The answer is 4:44
